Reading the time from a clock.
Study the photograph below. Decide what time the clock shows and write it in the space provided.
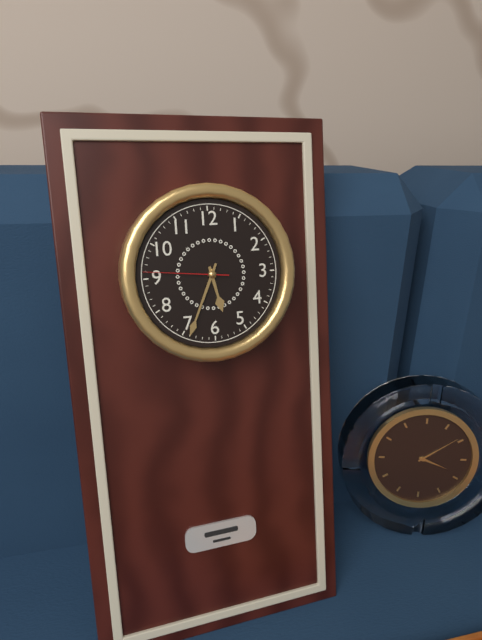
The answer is 5:34:46
